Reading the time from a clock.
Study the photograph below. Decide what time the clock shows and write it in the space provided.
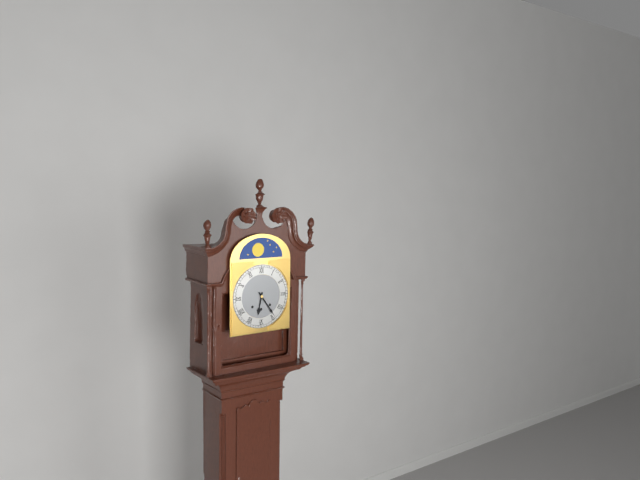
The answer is 6:24
